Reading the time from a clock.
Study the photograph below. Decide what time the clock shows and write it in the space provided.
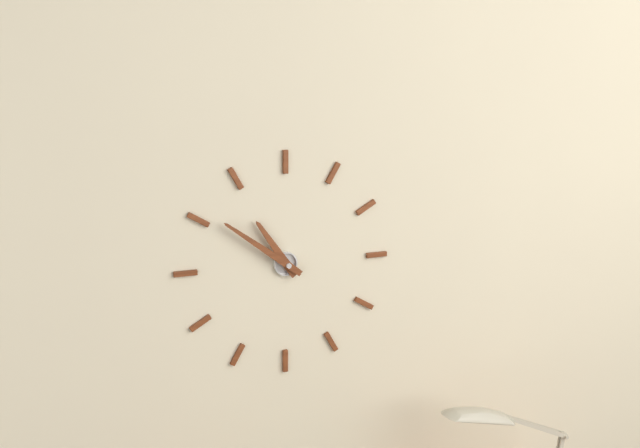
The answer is 10:51
